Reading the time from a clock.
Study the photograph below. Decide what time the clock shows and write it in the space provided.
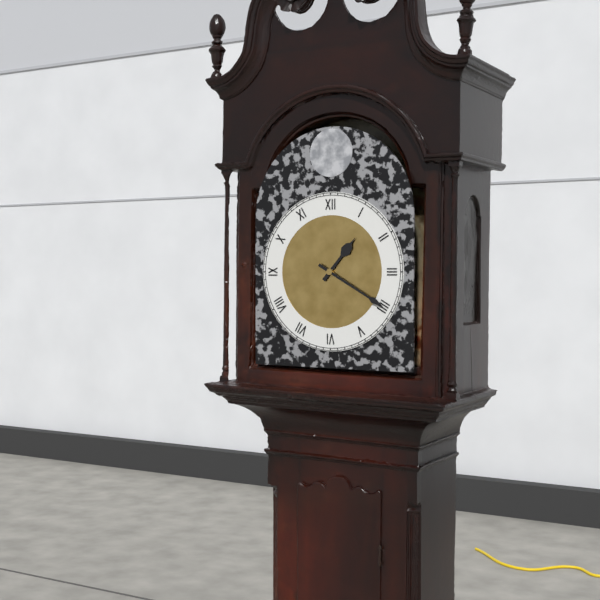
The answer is 1:20
